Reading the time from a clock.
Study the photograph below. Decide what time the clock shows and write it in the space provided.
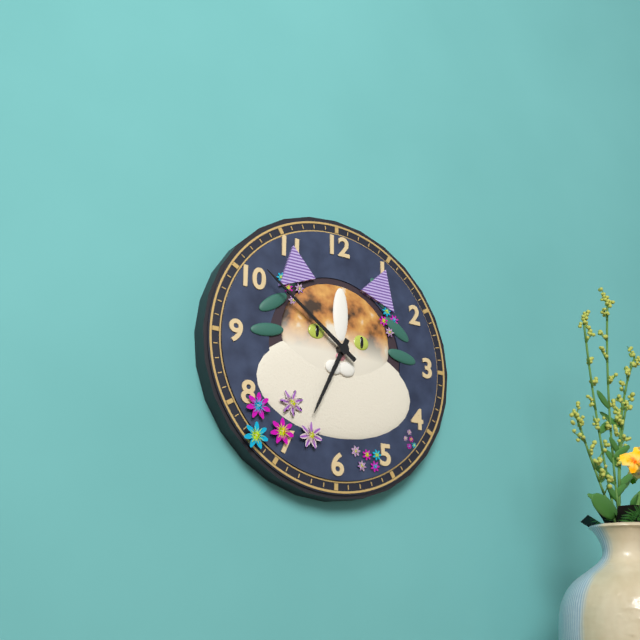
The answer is 6:51
